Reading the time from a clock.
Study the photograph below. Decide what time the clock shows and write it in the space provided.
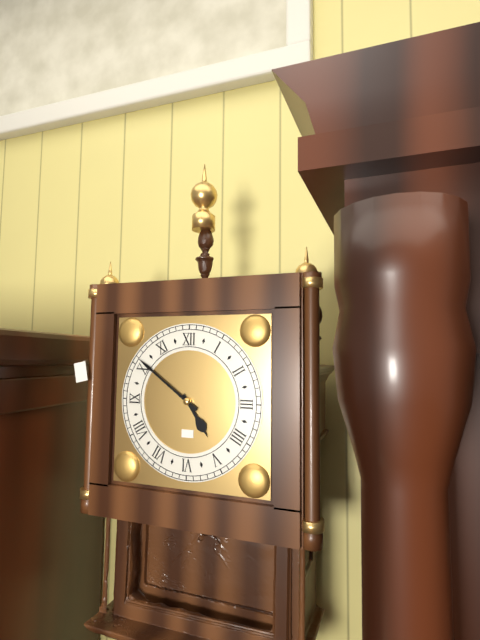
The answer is 4:51
